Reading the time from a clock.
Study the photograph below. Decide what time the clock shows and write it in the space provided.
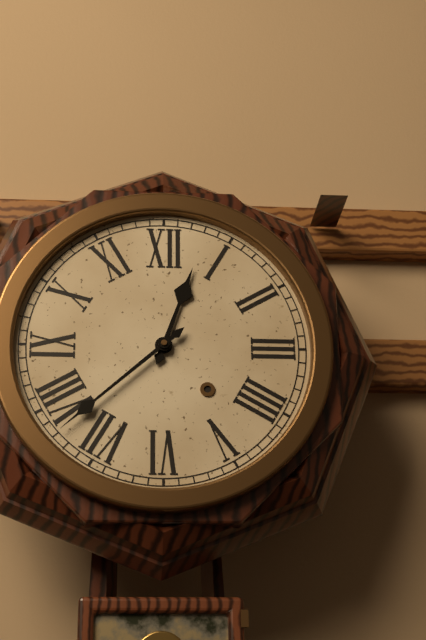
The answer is 12:38
